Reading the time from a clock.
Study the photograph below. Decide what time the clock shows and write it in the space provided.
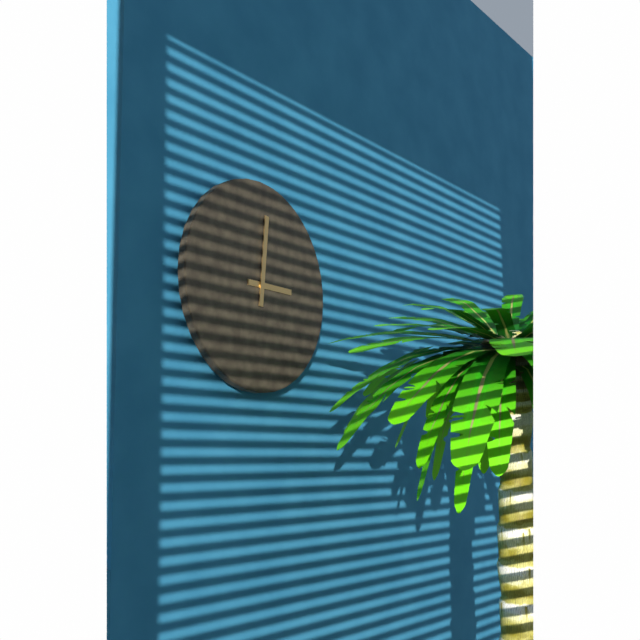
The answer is 3:01
